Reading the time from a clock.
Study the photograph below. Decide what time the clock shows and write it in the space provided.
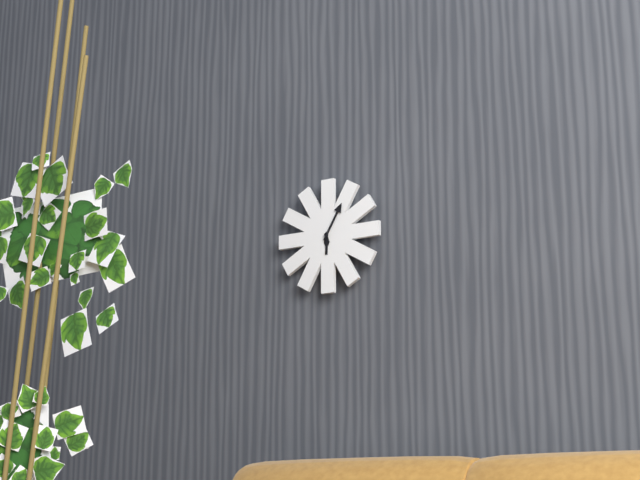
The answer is 6:05
